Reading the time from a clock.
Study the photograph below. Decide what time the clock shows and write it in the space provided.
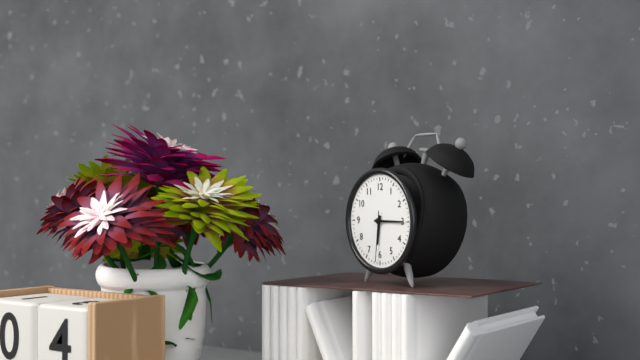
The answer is 6:15:31
